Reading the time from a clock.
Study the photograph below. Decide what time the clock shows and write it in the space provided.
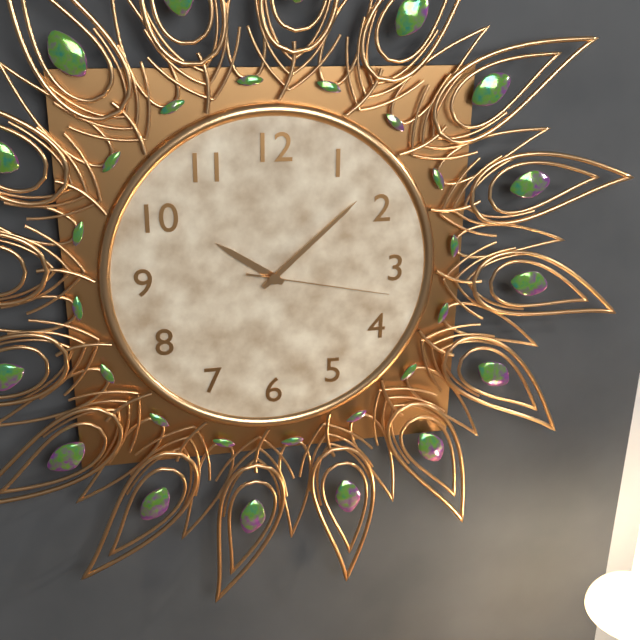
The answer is 10:08:17
